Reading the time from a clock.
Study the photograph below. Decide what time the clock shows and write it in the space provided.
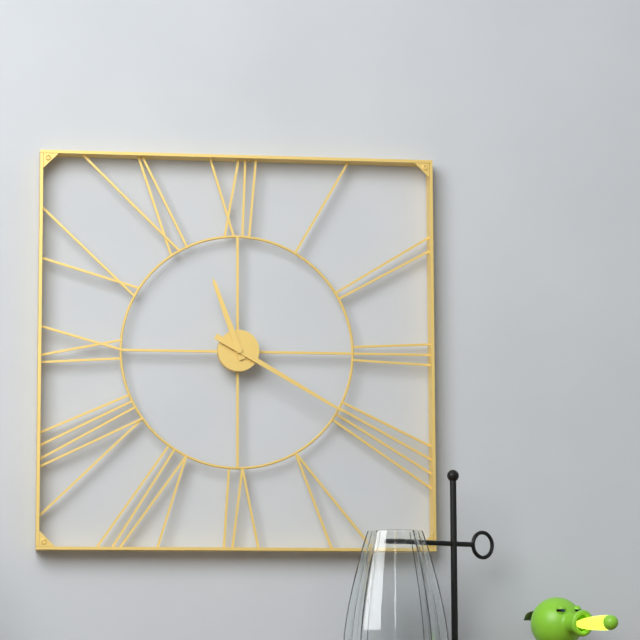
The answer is 11:20
